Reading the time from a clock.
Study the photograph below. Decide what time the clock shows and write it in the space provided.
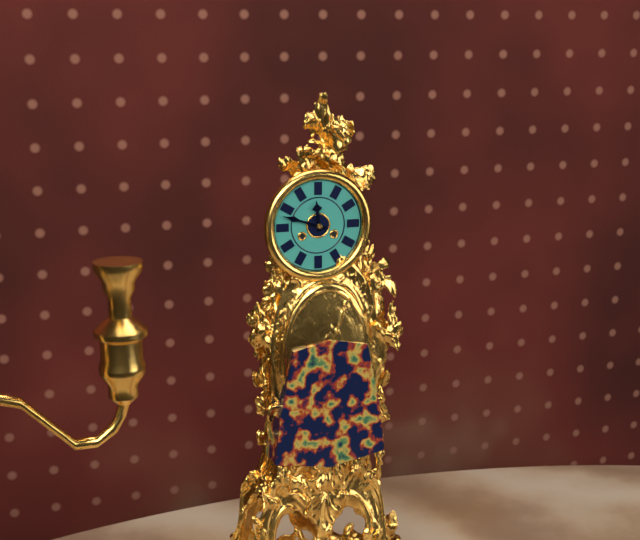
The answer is 11:48
